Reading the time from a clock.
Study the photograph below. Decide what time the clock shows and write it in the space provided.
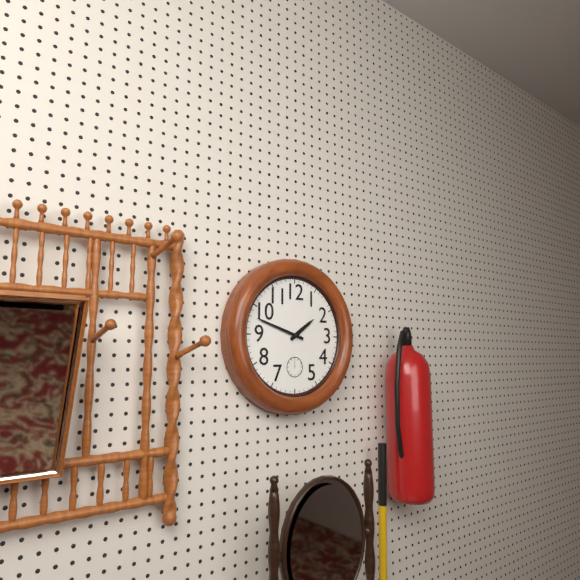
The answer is 1:48
